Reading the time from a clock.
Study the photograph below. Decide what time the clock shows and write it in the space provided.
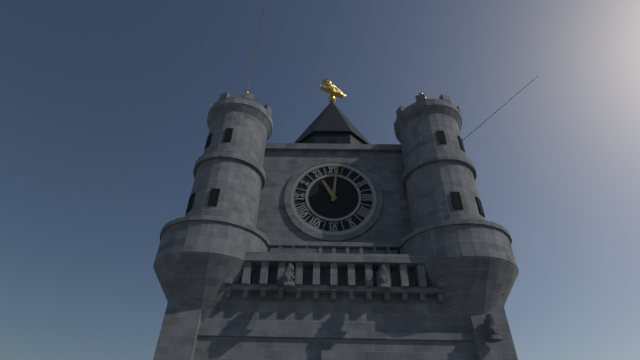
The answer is 11:01
